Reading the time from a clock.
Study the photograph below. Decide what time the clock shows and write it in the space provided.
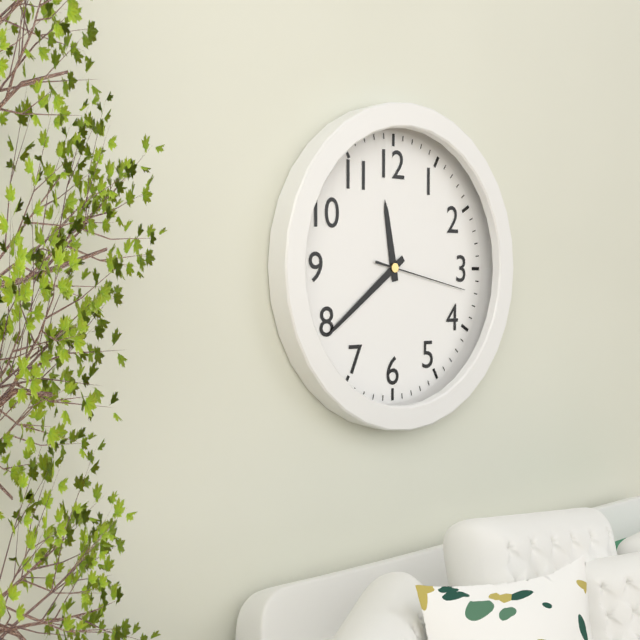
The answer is 11:39:17
